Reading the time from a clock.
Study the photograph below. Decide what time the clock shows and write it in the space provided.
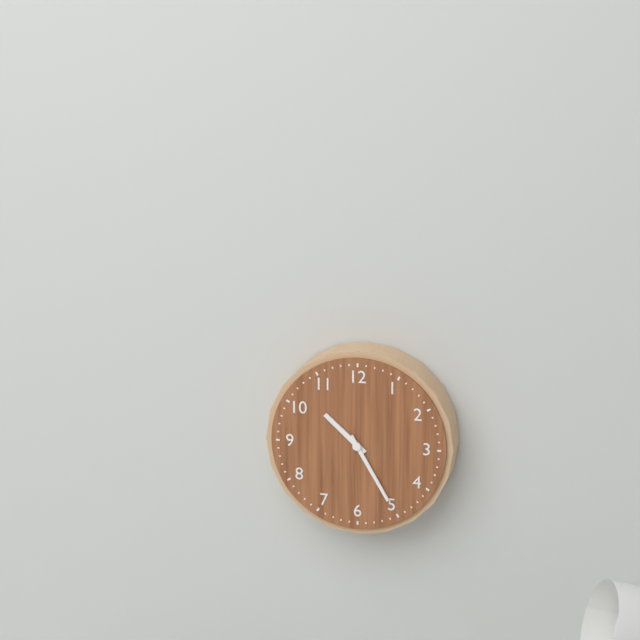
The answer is 10:25
